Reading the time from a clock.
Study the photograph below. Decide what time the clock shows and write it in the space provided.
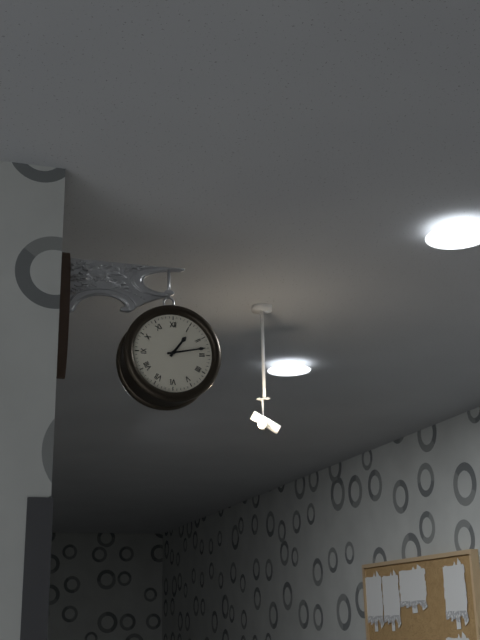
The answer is 1:13
